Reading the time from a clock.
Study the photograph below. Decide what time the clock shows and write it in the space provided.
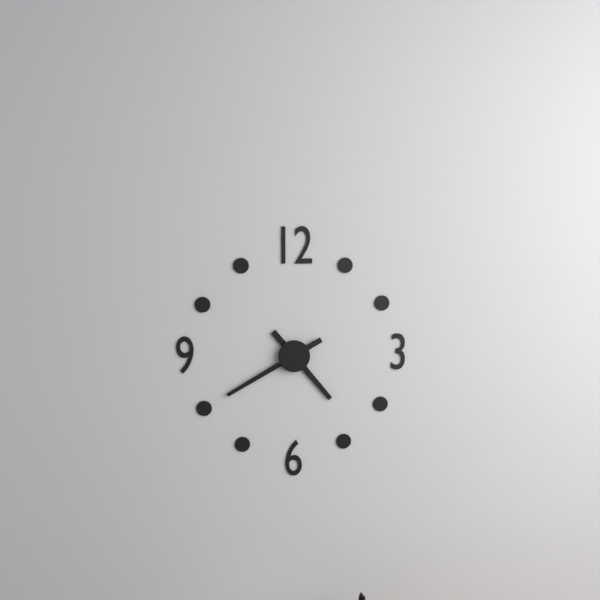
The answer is 4:40
